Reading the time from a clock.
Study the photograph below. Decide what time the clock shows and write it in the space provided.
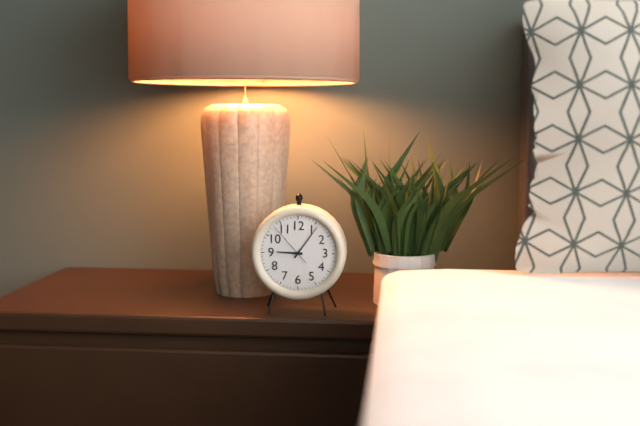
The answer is 9:06
